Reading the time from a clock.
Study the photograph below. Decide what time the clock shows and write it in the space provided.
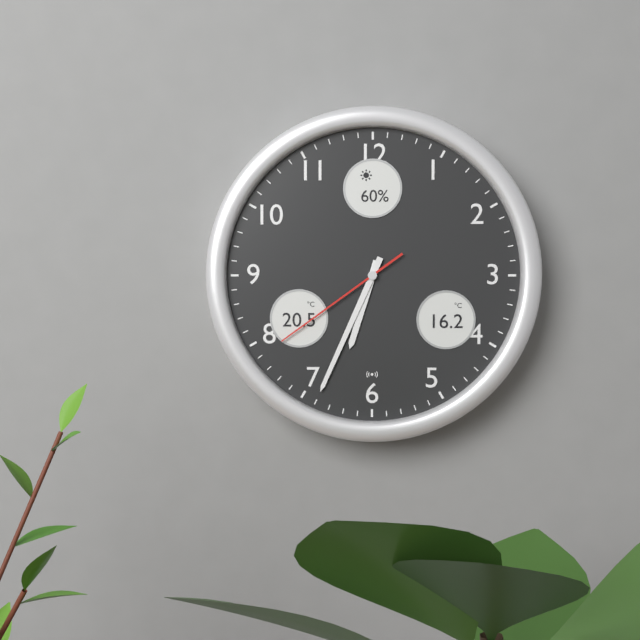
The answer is 6:34:39
